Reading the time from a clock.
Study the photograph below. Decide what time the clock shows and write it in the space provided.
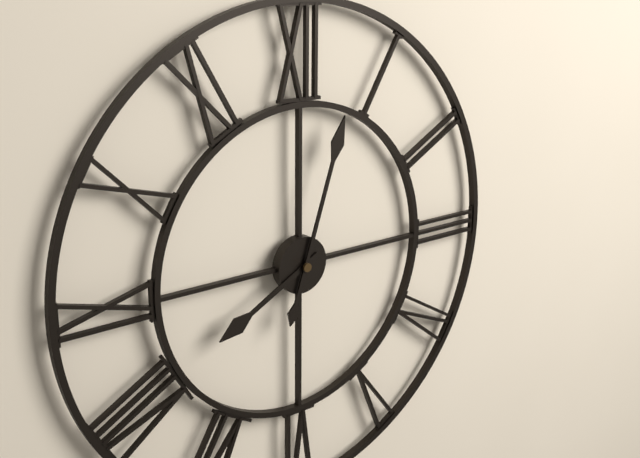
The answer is 8:03
